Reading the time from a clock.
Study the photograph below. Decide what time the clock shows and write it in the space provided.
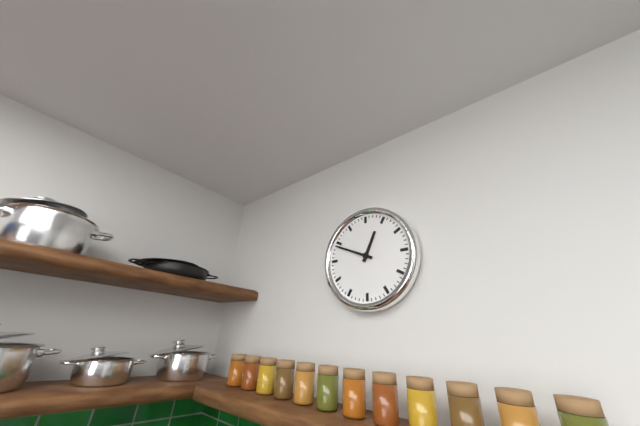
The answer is 12:49
